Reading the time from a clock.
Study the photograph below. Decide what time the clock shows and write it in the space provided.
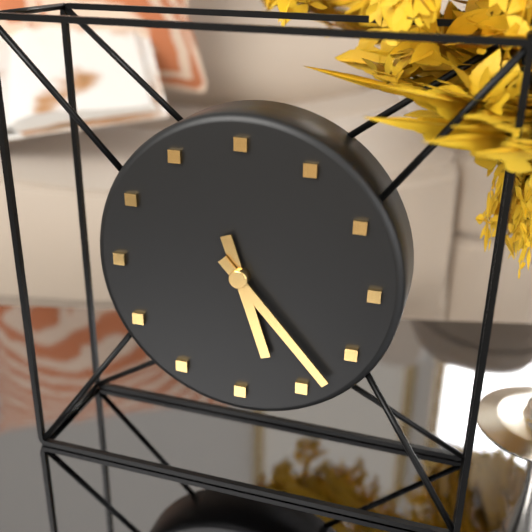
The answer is 5:23
